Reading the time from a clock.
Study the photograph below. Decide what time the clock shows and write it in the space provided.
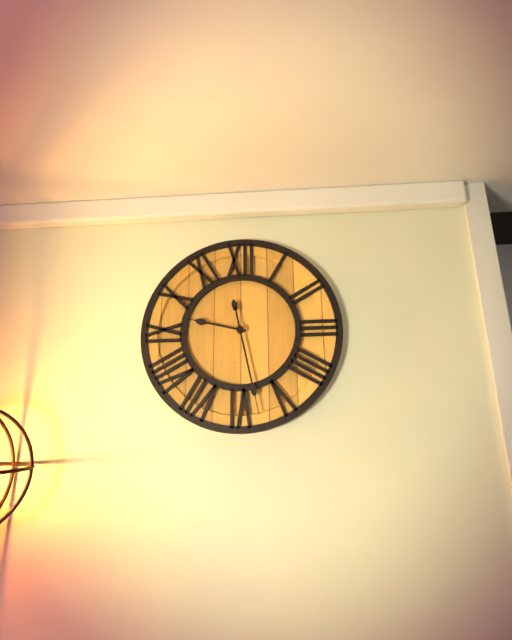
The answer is 9:28
